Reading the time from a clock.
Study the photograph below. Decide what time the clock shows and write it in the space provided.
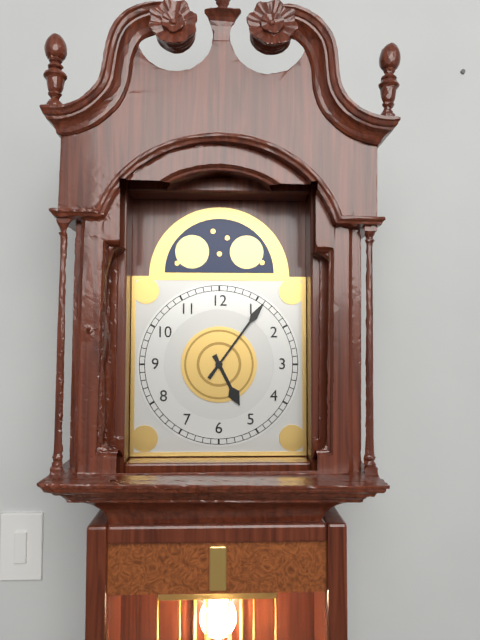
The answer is 5:06
